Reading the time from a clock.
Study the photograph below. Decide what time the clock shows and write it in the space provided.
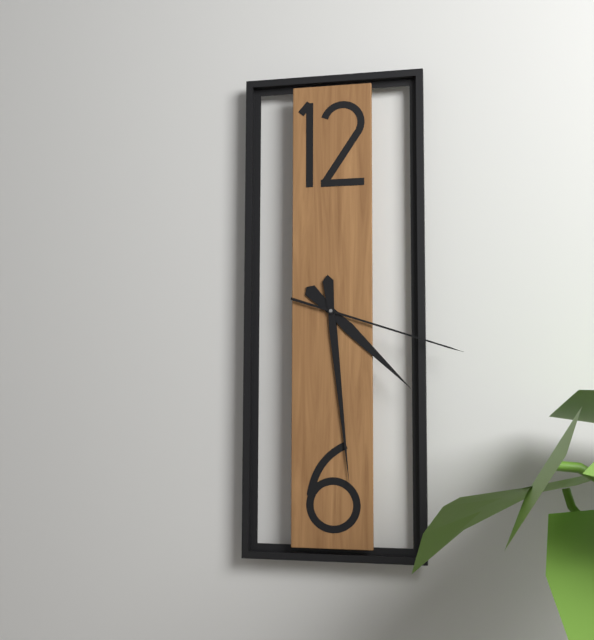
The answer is 4:29:18
